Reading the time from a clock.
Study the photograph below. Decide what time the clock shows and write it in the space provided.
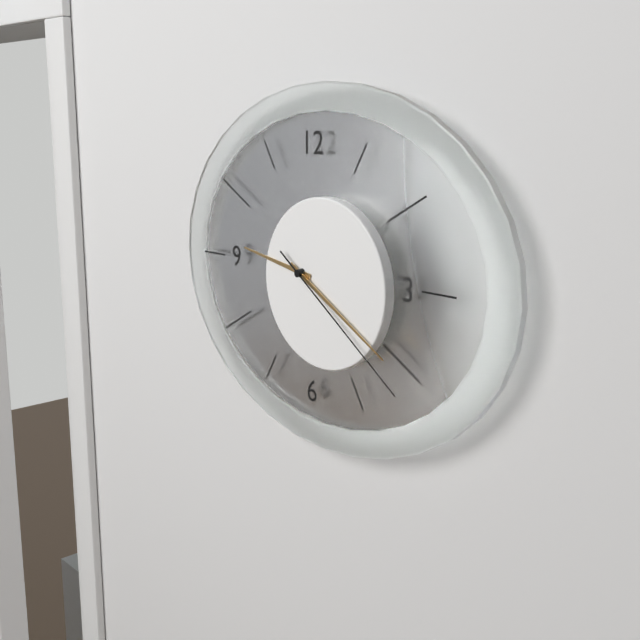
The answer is 9:20:21
